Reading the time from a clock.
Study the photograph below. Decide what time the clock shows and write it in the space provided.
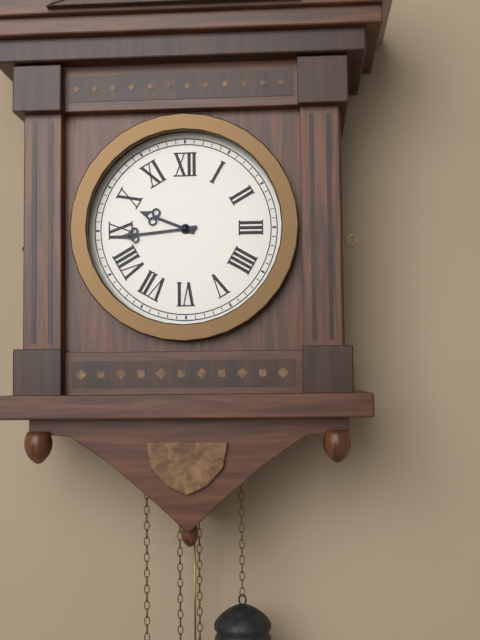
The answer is 9:44
